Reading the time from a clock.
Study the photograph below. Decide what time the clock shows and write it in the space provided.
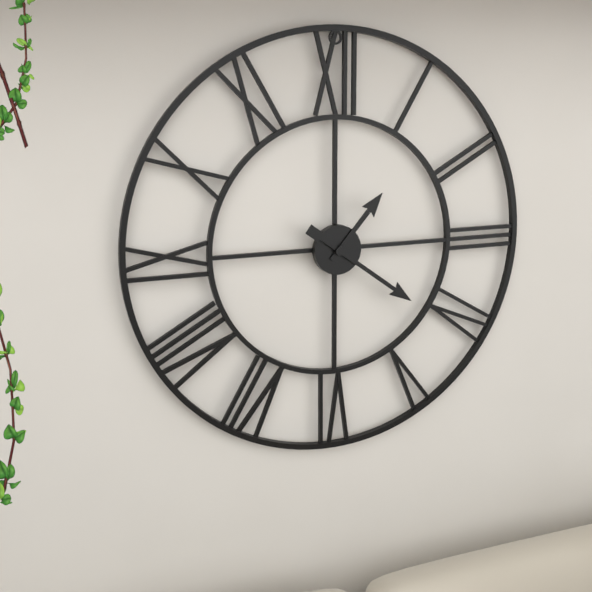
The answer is 1:21
